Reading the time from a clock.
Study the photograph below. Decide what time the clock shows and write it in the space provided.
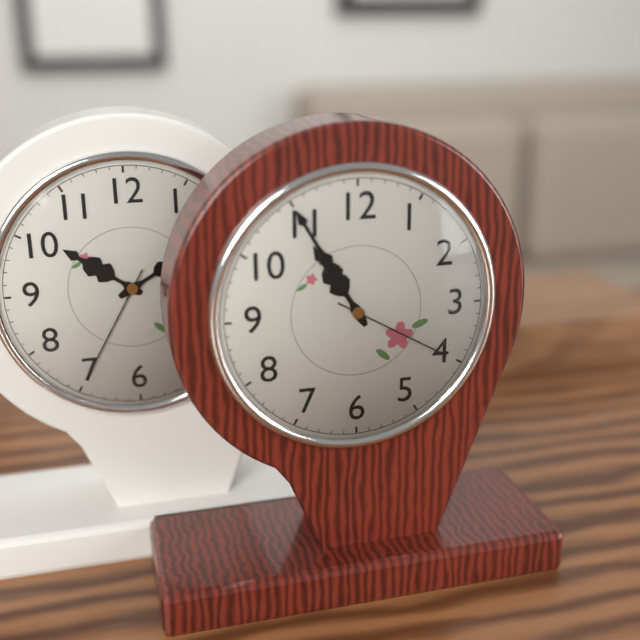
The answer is 10:55:20
